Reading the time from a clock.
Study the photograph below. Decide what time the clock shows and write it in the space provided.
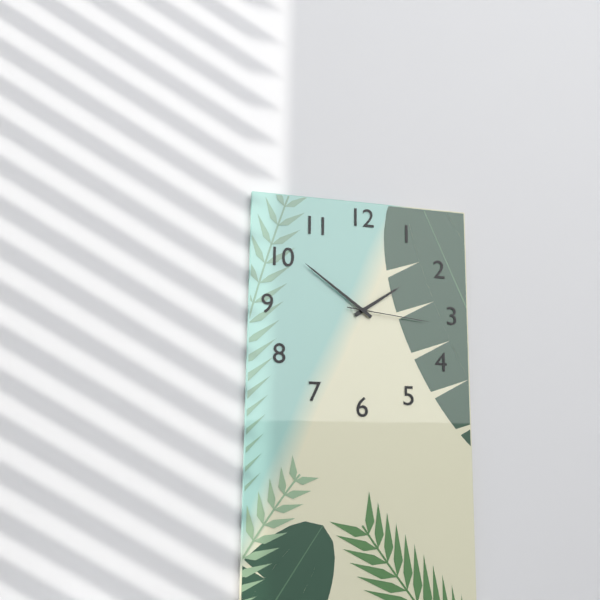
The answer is 1:51:16
